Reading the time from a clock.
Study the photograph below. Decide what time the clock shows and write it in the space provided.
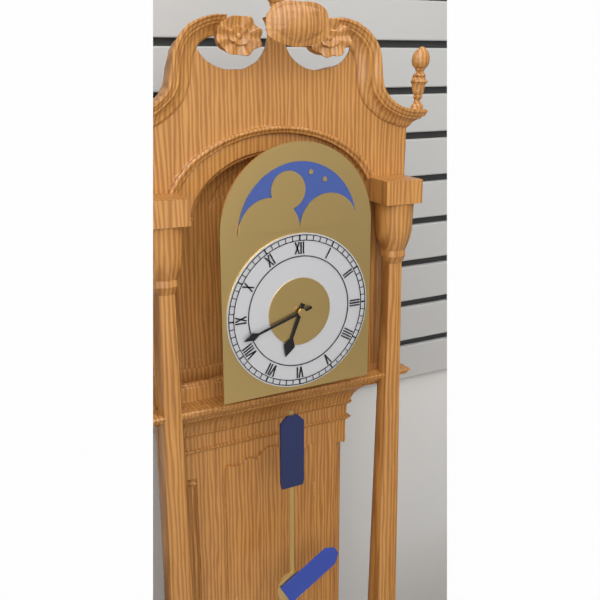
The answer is 6:42
